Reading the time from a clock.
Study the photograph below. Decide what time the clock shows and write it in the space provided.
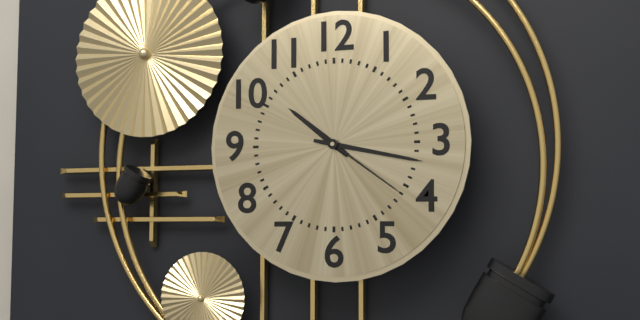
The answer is 10:17:21
